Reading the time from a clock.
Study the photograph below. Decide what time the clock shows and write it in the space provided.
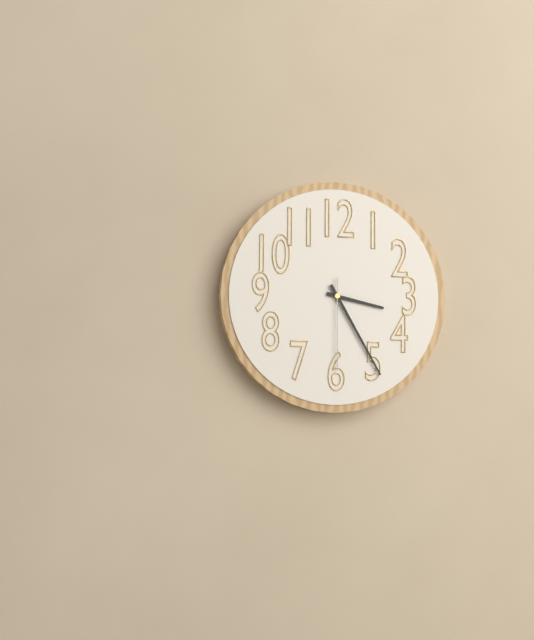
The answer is 3:25:30
